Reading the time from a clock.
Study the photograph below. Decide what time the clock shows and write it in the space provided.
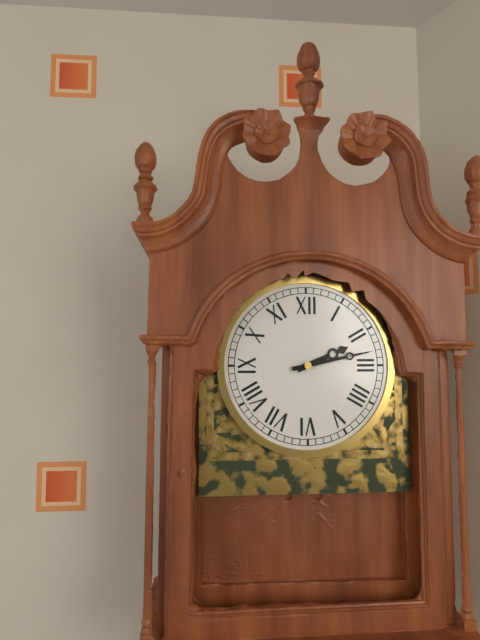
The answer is 2:13
